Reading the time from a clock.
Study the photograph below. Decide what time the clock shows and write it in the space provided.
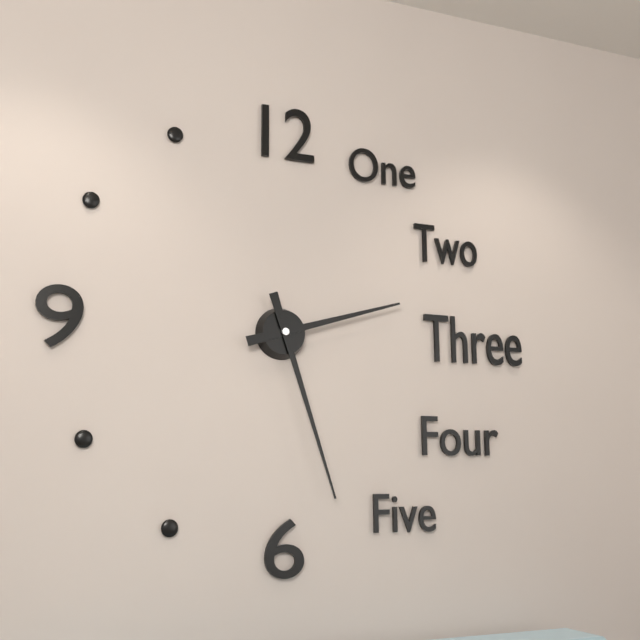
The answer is 2:27
